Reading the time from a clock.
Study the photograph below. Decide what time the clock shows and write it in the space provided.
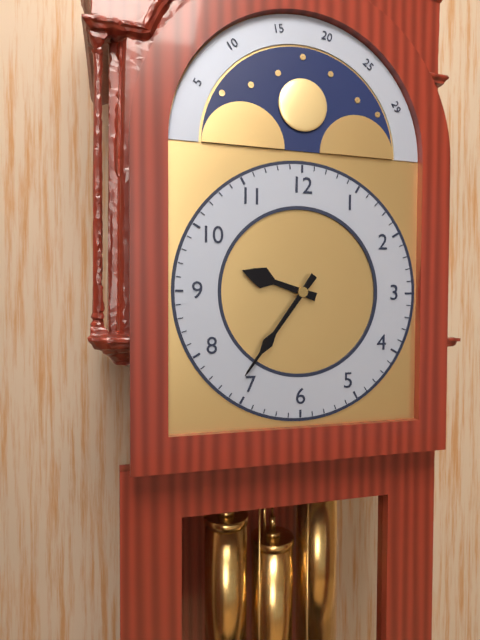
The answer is 9:36
